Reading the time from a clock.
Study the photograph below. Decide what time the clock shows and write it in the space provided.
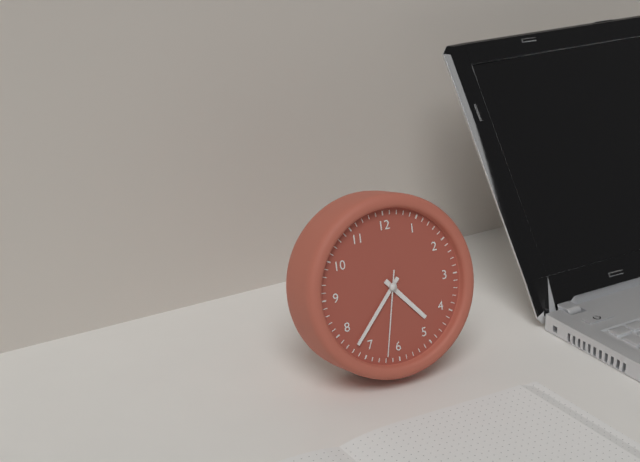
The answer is 4:37:32
